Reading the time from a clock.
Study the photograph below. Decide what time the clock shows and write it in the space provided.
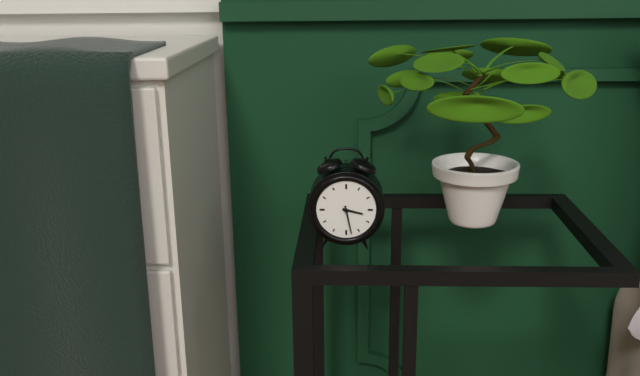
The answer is 3:28
